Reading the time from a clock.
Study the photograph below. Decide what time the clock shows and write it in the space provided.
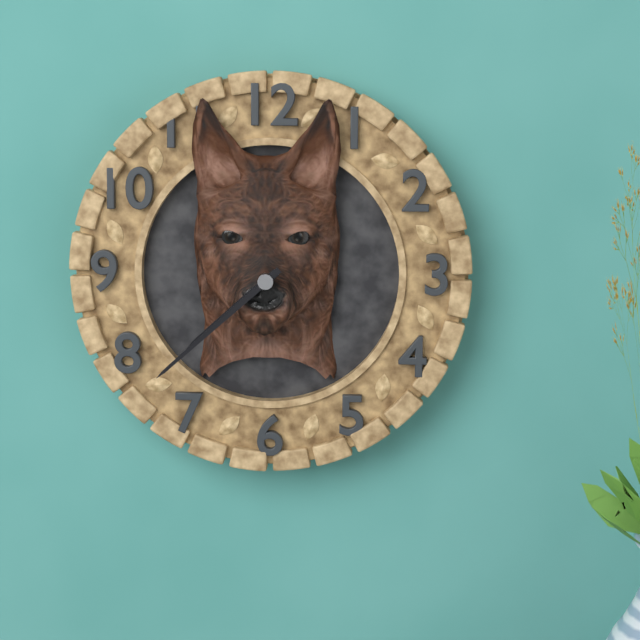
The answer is 7:38
